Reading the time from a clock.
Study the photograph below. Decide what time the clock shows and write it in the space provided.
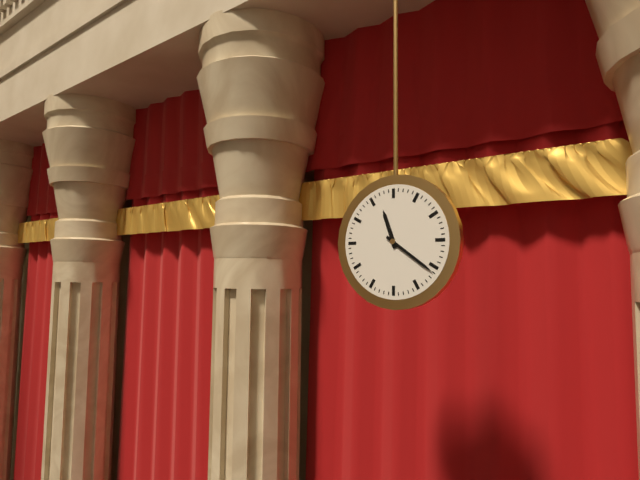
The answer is 11:21
